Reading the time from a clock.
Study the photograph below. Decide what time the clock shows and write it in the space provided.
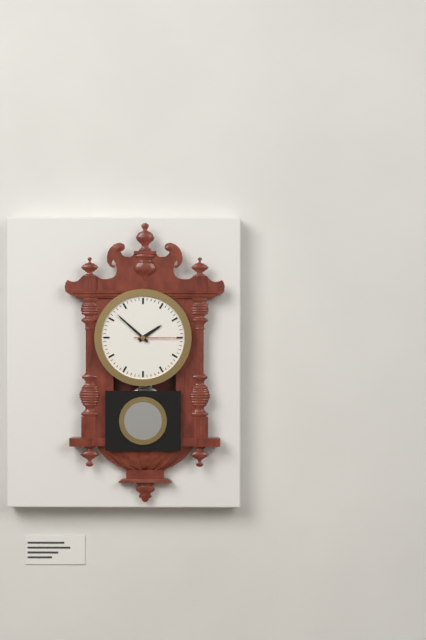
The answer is 1:52
